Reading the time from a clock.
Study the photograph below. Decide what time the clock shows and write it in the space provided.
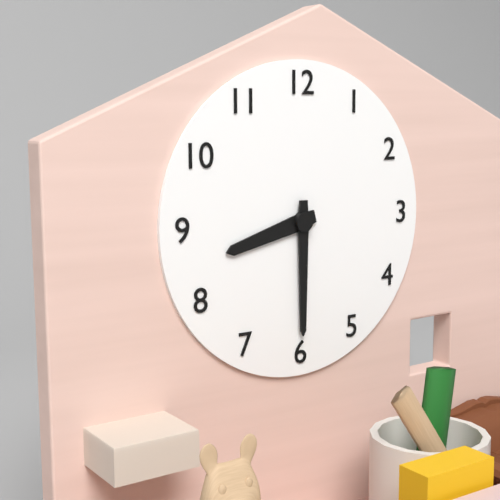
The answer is 8:30
